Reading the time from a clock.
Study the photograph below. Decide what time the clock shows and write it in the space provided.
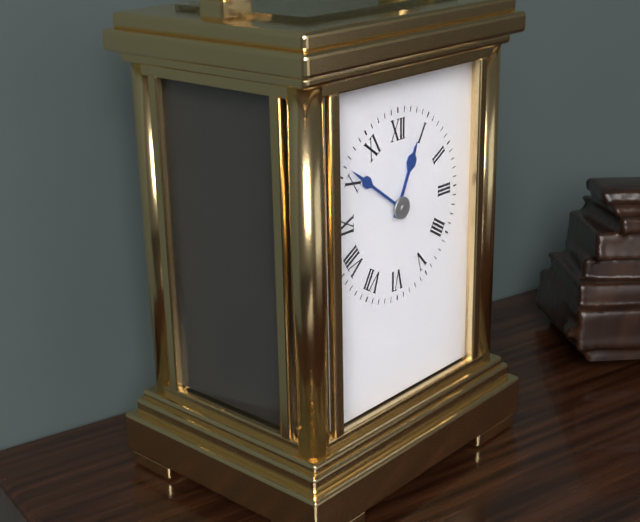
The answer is 12:51
